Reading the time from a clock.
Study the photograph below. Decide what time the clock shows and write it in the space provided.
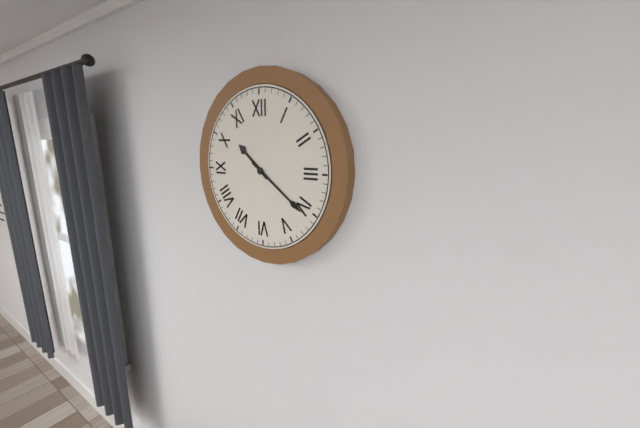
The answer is 10:21
